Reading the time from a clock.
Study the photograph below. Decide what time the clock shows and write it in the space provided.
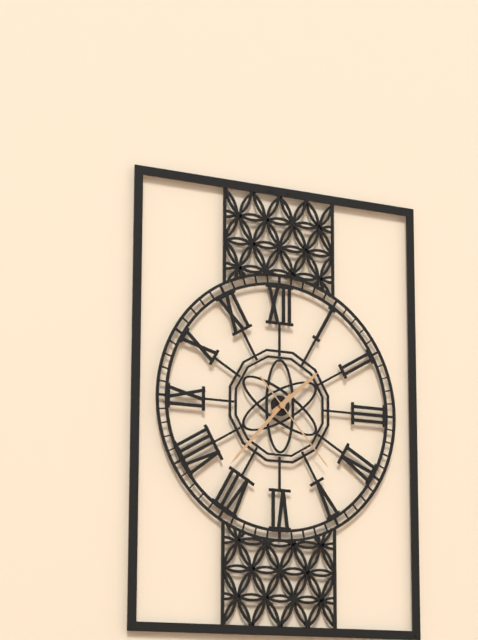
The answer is 1:37:23
